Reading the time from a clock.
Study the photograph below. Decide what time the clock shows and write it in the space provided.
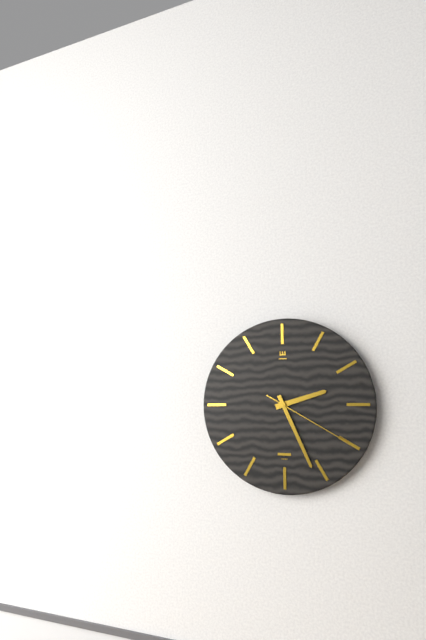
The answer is 2:26:20
